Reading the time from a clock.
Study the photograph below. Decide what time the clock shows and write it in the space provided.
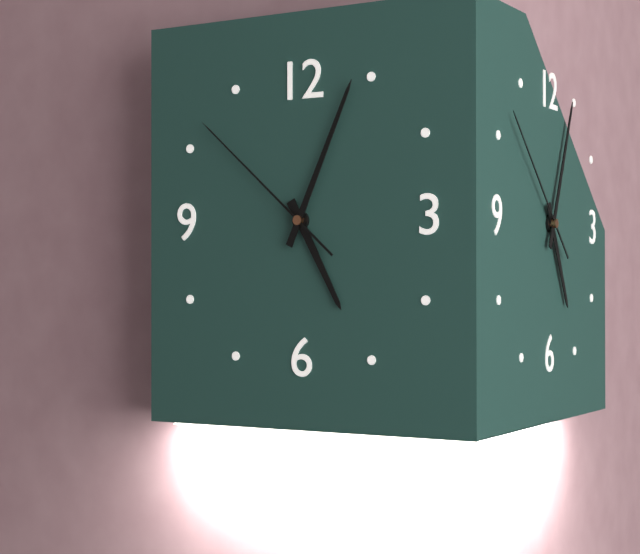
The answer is 5:04:52
